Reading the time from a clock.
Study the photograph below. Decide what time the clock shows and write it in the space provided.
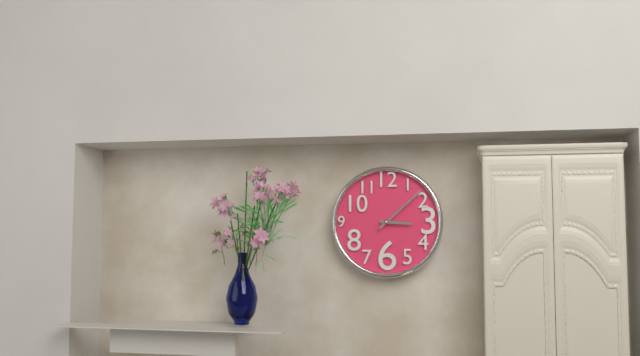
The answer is 3:08
